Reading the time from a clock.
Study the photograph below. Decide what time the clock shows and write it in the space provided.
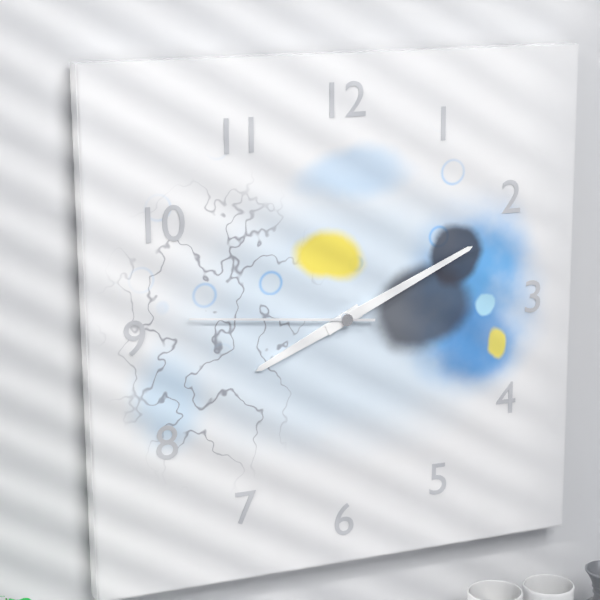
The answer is 8:11:46
